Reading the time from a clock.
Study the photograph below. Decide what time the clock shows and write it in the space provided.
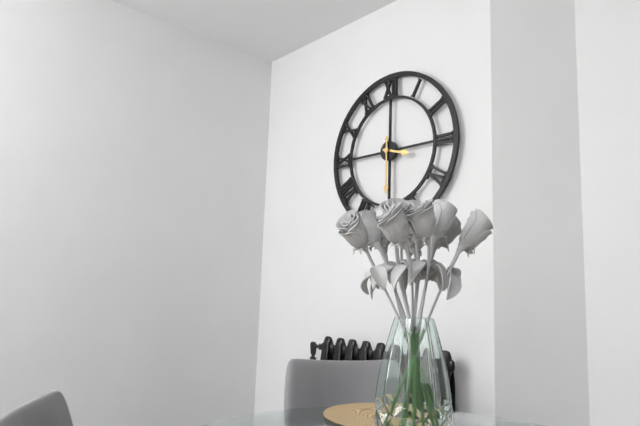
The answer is 3:30
